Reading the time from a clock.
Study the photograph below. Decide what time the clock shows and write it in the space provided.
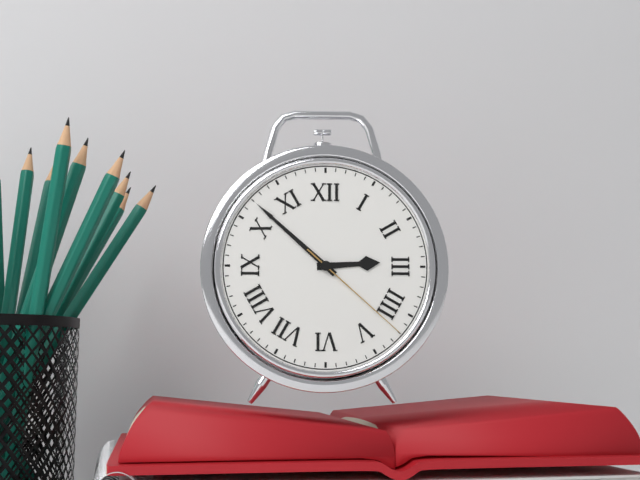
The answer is 2:52:22
